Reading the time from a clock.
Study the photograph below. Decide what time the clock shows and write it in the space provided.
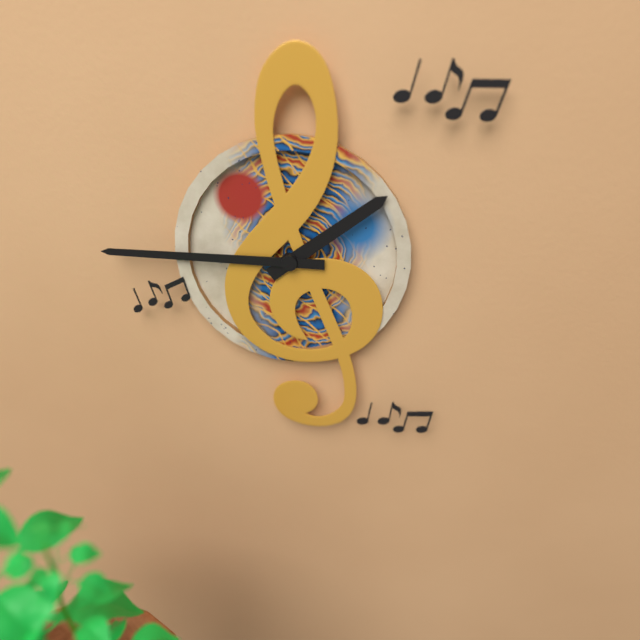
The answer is 1:45
